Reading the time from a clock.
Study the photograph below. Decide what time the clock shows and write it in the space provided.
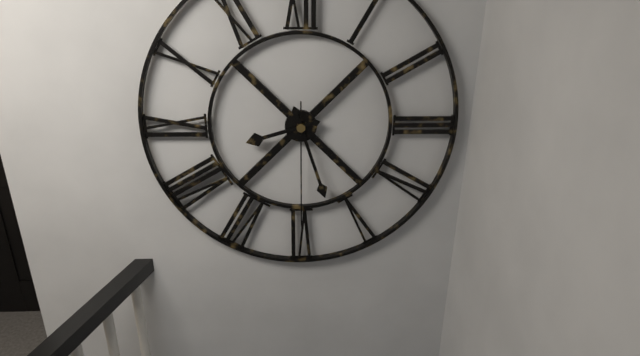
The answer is 8:27:30
